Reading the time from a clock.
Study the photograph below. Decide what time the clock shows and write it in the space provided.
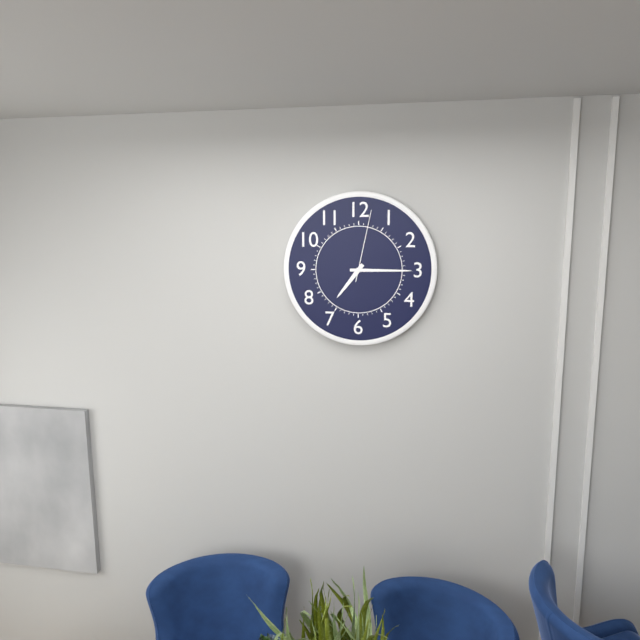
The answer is 7:15:02
